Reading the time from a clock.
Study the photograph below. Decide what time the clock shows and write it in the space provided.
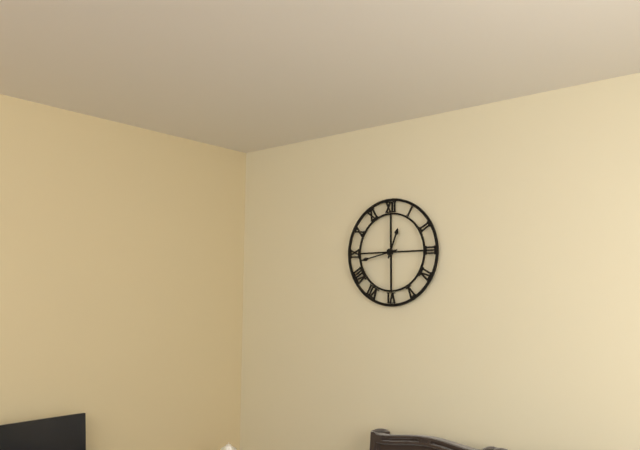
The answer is 12:43
